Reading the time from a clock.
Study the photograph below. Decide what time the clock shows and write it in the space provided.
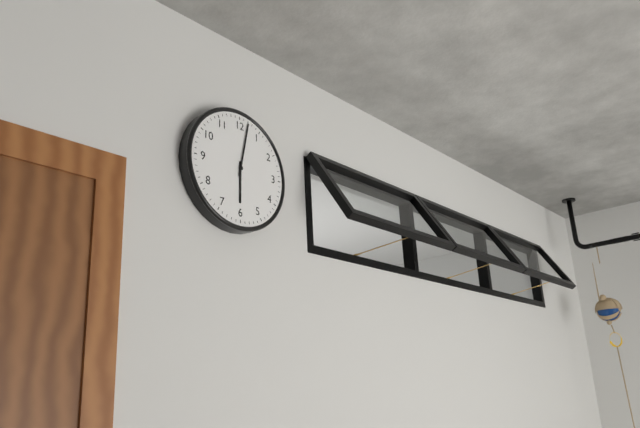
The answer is 6:02
